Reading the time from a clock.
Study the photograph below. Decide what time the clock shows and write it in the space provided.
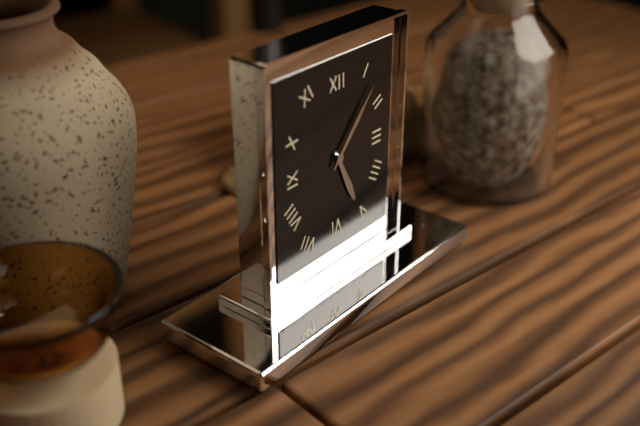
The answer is 5:07
